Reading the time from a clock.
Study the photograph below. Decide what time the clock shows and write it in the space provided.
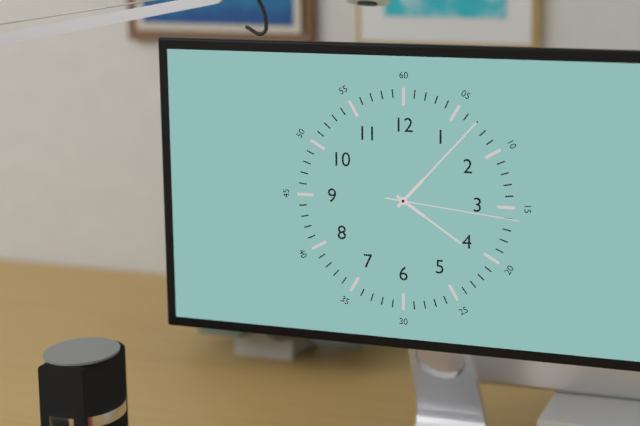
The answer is 4:07:16
